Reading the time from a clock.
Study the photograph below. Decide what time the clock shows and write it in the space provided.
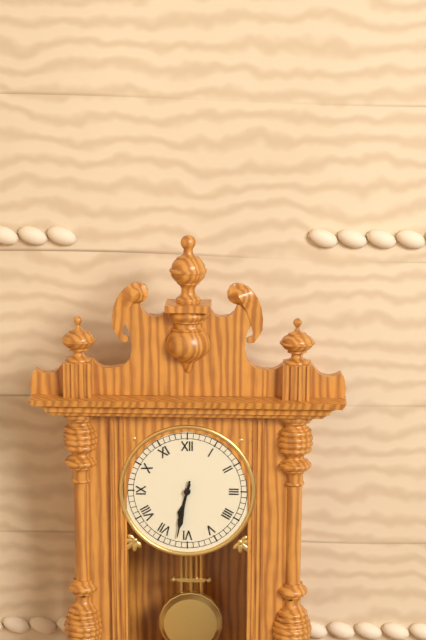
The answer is 6:32
